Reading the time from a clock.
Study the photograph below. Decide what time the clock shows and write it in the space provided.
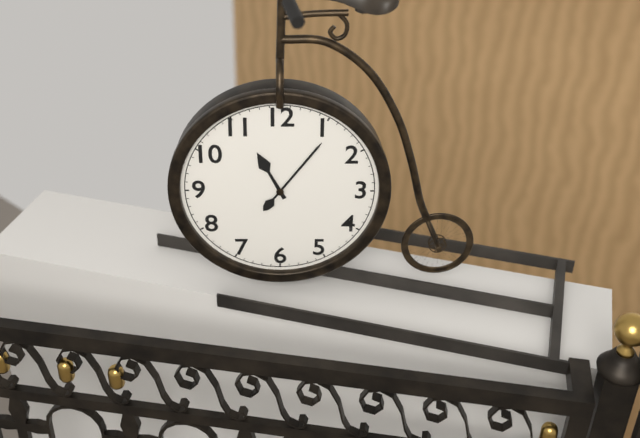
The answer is 11:06
